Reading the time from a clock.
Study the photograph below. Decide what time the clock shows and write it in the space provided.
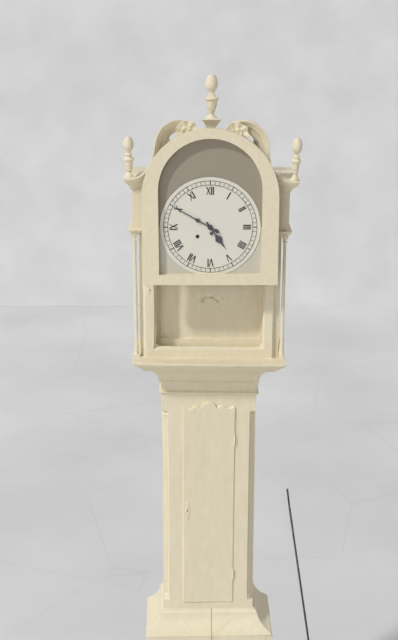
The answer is 4:50
